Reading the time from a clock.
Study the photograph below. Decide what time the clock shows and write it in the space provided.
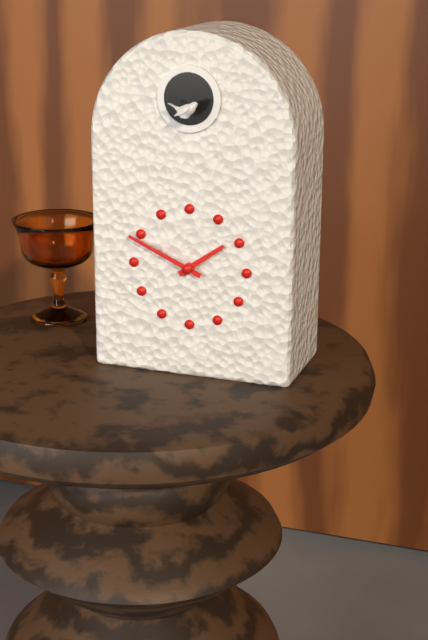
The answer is 1:49
